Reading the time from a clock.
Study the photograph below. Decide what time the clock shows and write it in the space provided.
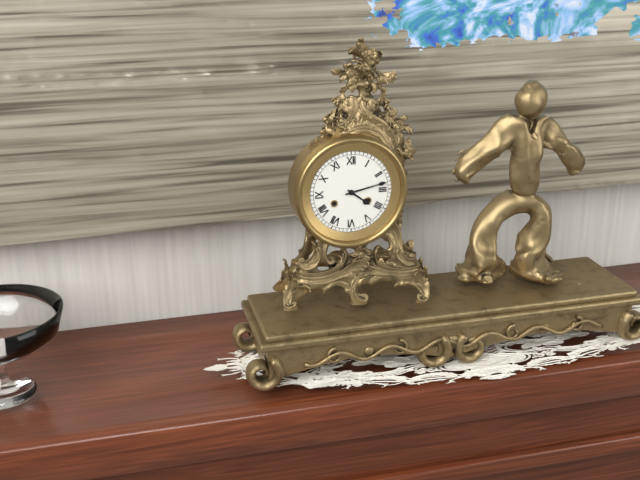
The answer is 4:13
